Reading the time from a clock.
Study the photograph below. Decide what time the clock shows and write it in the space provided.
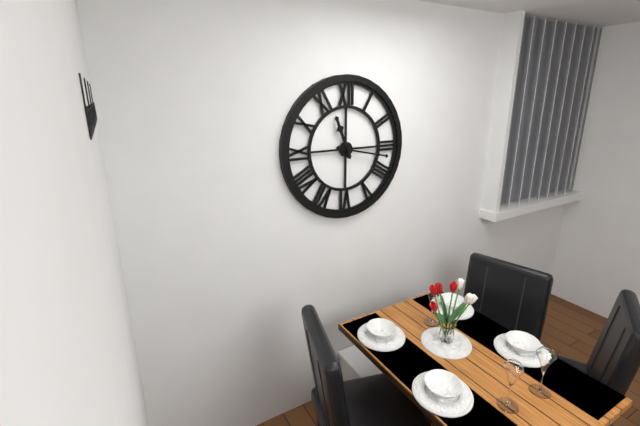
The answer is 11:17
